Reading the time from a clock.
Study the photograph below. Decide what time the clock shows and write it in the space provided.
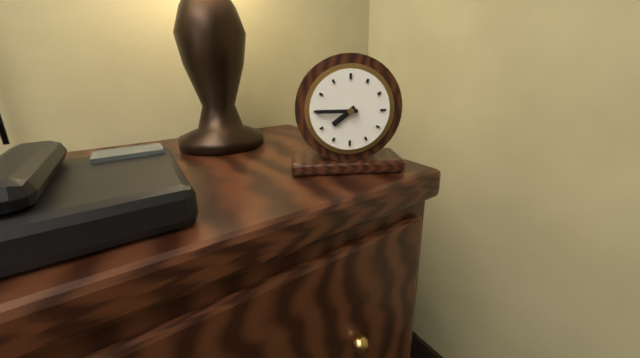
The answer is 7:45
